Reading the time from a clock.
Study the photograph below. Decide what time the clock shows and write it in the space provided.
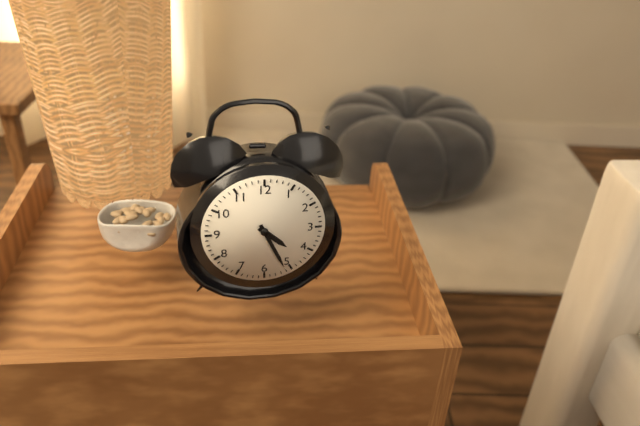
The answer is 4:26
